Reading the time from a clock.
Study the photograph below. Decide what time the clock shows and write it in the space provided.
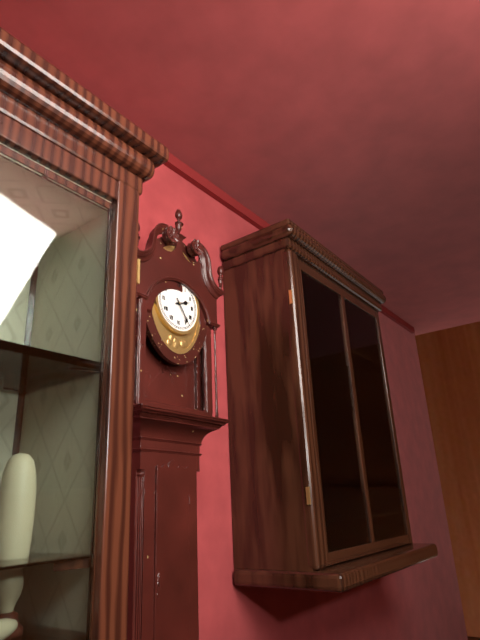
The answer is 2:24
